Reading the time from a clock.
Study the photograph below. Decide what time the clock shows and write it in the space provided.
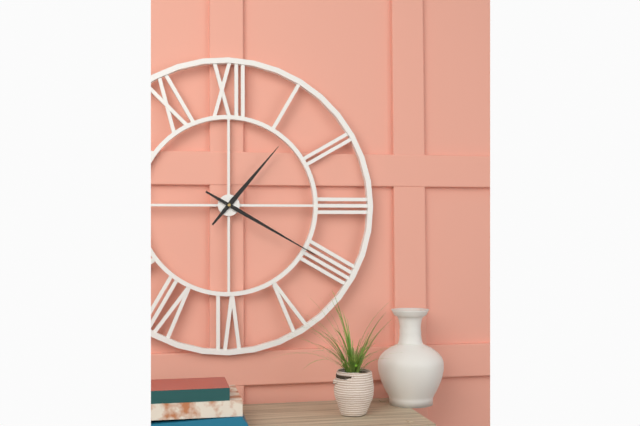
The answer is 1:20
